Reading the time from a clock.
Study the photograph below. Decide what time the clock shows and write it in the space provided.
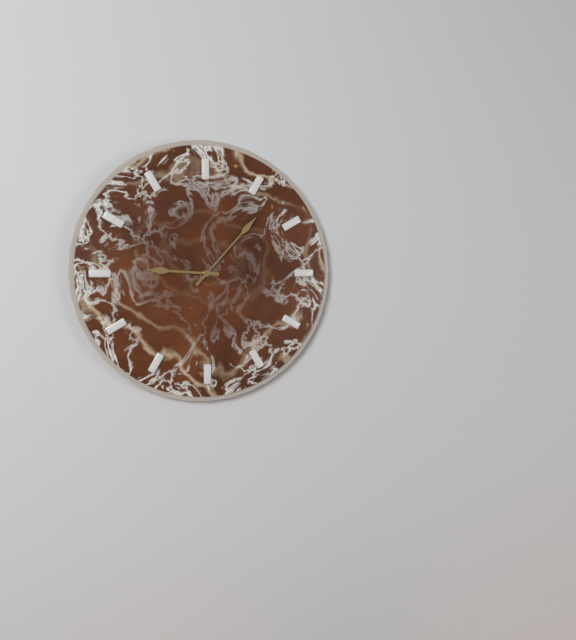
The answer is 9:07
